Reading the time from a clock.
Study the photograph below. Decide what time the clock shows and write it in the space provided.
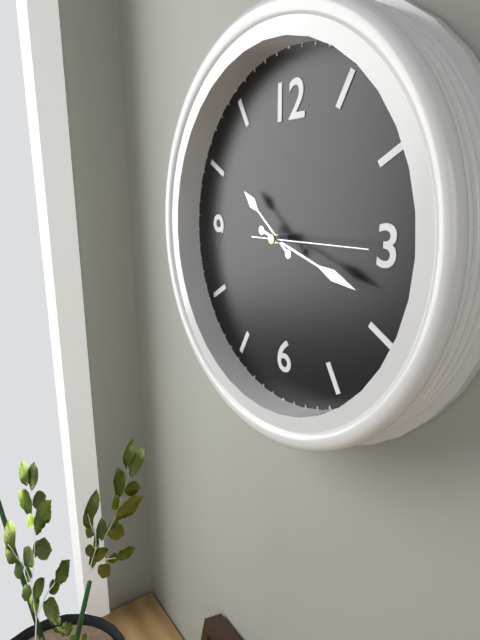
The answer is 10:18:15
